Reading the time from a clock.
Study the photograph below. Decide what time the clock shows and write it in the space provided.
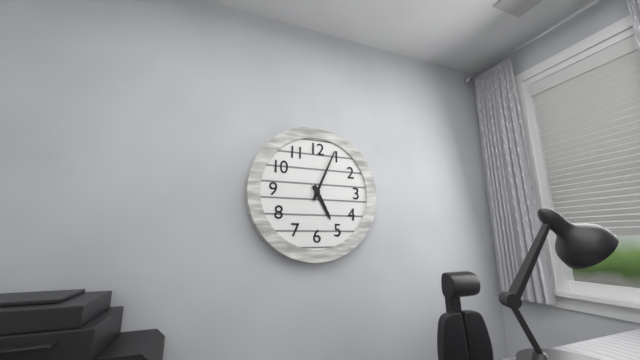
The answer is 5:04
